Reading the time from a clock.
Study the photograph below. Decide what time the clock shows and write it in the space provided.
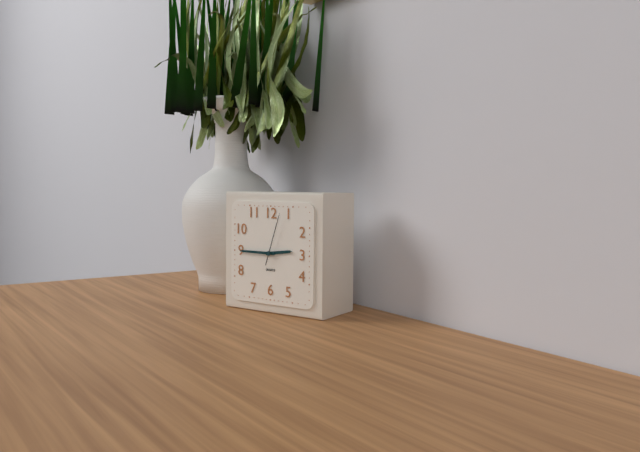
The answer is 2:45:03
